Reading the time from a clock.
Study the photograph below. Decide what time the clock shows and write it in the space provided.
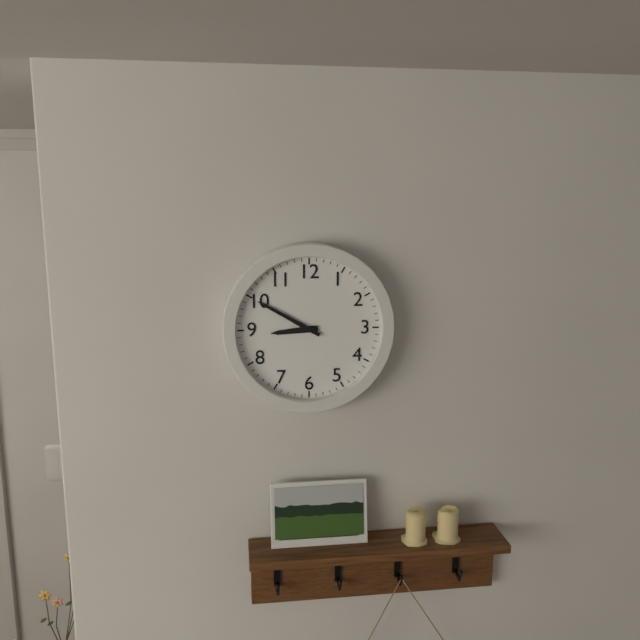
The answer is 8:50
